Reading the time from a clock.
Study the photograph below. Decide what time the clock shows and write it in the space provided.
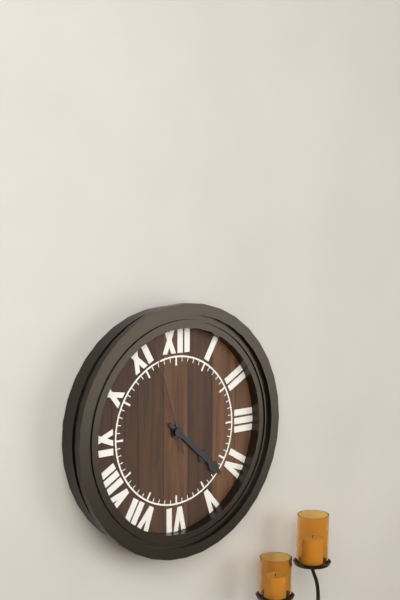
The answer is 4:22:57
